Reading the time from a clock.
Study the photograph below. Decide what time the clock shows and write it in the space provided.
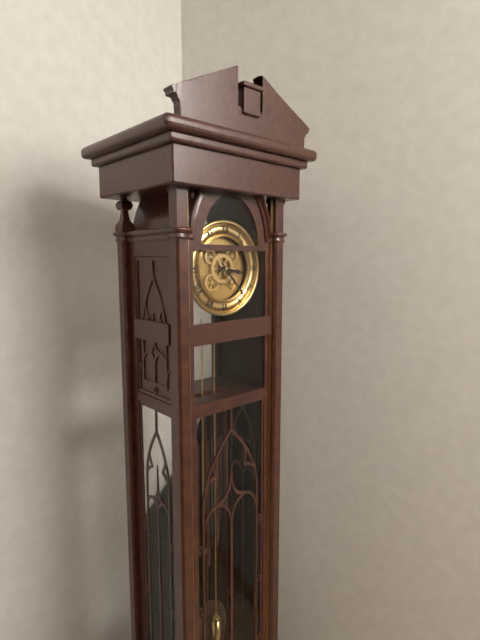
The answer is 3:23
